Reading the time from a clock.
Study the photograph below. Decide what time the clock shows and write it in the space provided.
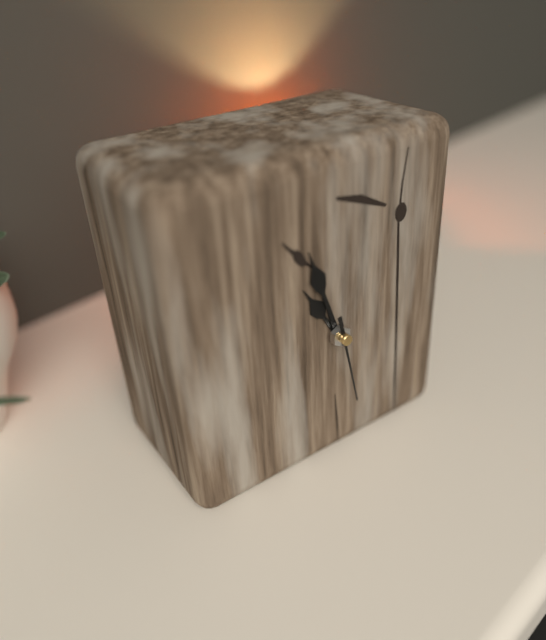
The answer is 10:57:28
